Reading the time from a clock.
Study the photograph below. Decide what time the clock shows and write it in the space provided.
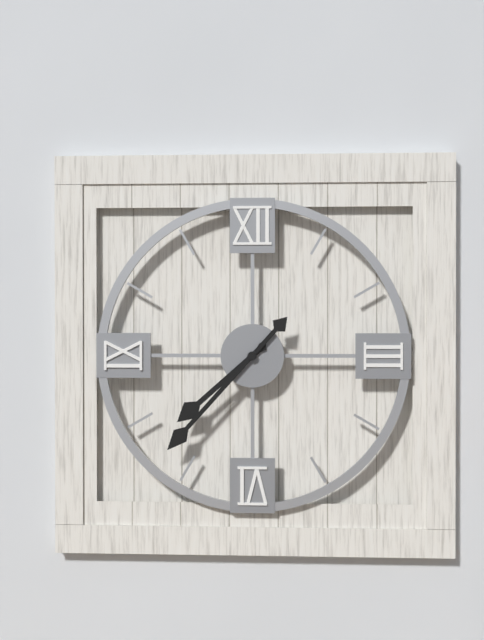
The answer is 7:37
